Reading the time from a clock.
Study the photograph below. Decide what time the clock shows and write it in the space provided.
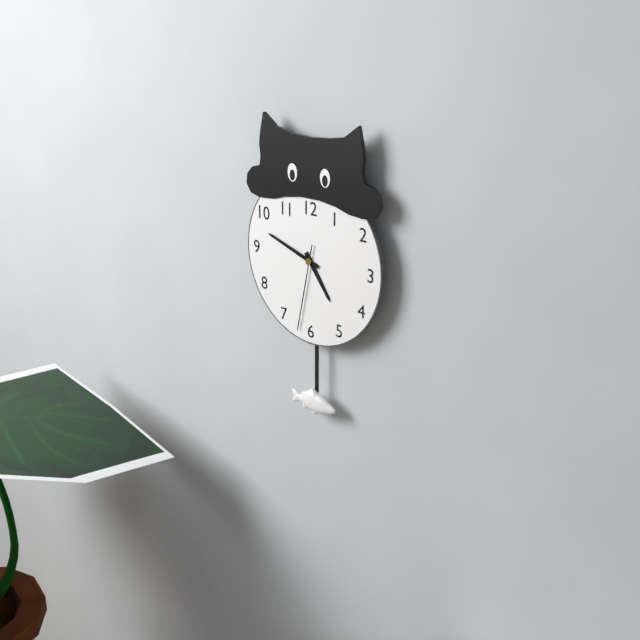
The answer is 4:48:32
